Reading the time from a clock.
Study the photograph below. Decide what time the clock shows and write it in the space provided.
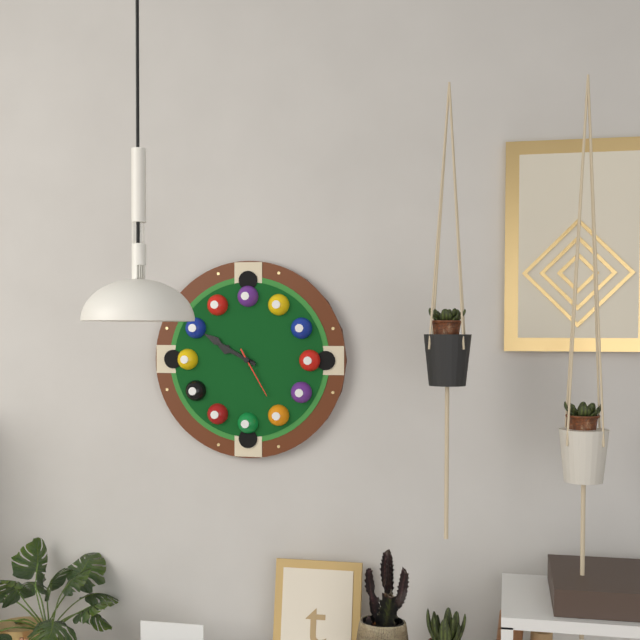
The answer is 9:50:25
